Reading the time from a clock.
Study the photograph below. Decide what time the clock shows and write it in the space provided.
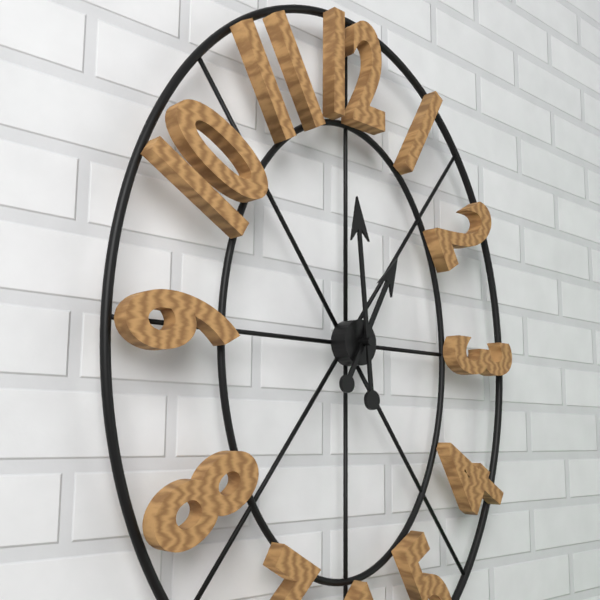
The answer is 12:59
